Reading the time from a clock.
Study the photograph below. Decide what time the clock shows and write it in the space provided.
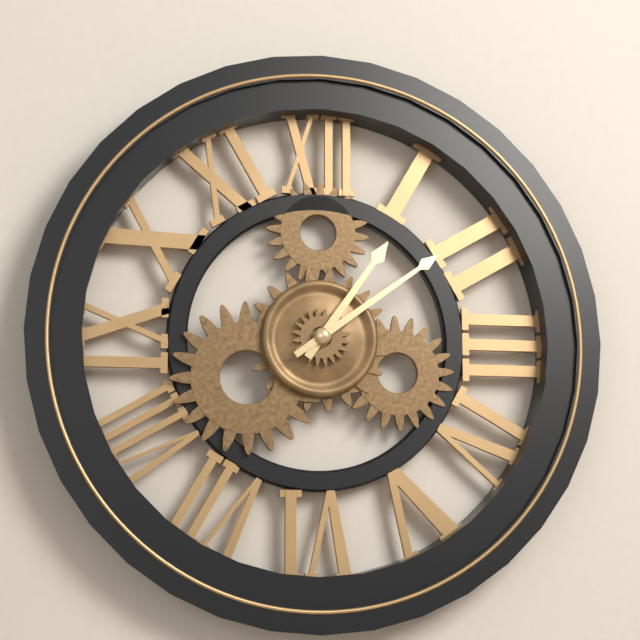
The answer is 1:09
